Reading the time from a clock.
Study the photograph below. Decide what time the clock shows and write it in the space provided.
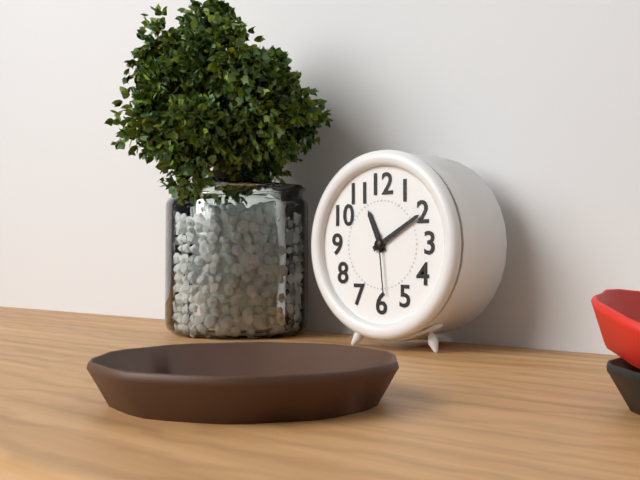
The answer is 11:10:29
